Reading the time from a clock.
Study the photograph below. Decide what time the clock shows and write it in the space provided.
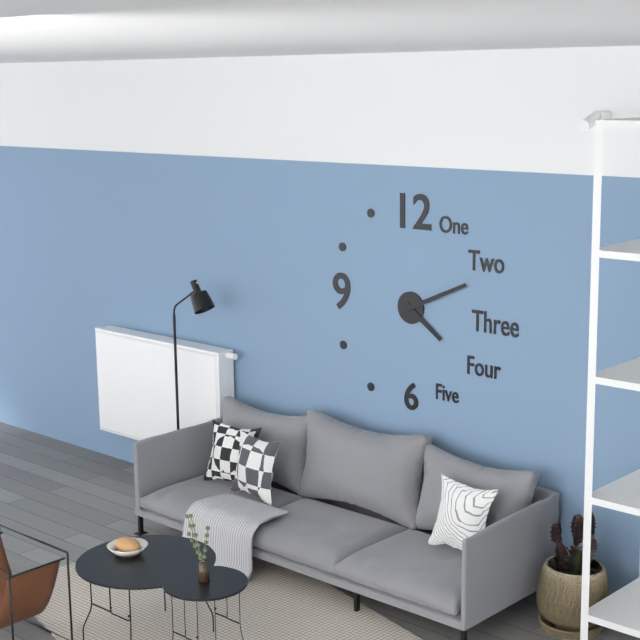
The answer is 4:11
